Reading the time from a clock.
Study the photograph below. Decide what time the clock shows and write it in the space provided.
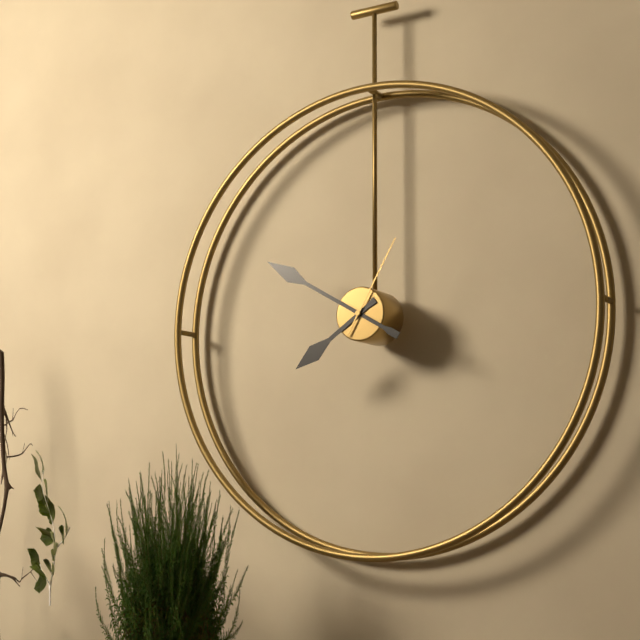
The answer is 7:50:05
